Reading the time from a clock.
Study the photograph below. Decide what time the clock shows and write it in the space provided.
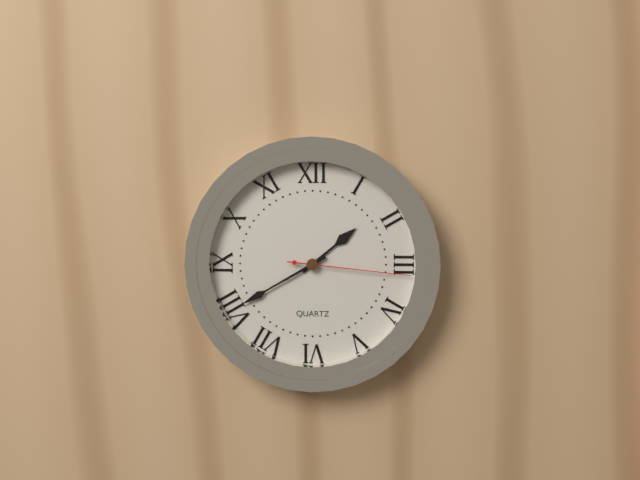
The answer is 1:40:16
